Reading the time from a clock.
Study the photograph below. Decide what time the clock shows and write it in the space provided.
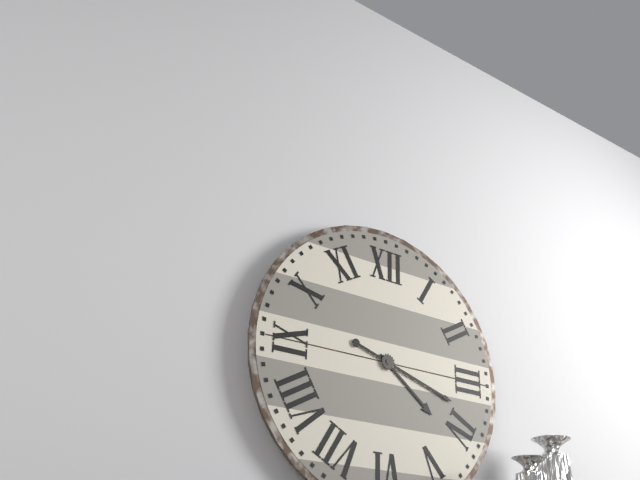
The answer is 4:18
